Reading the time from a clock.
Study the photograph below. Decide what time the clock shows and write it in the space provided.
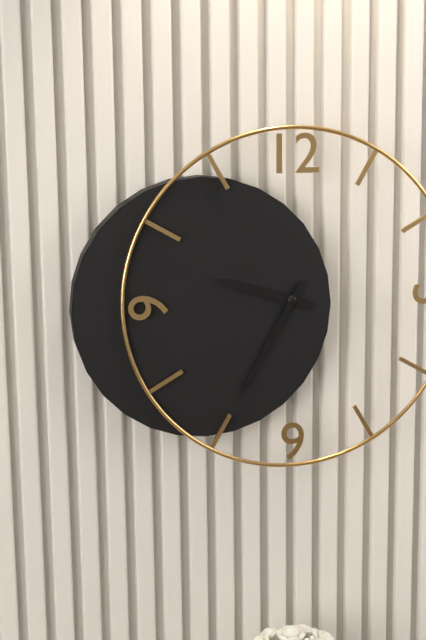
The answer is 9:35
